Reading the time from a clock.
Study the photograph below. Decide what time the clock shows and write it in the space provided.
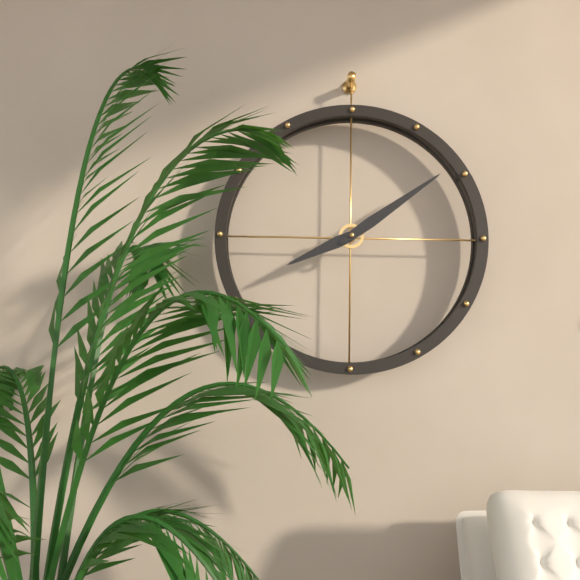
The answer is 8:09
